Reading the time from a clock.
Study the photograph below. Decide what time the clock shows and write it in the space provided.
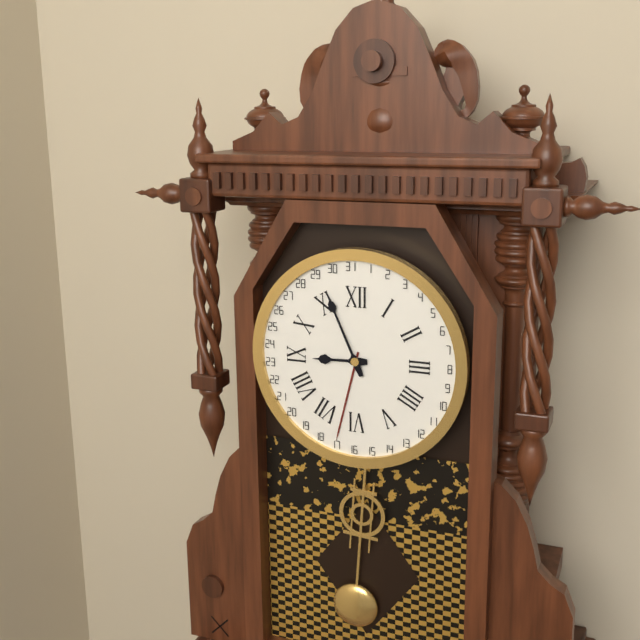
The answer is 8:56
